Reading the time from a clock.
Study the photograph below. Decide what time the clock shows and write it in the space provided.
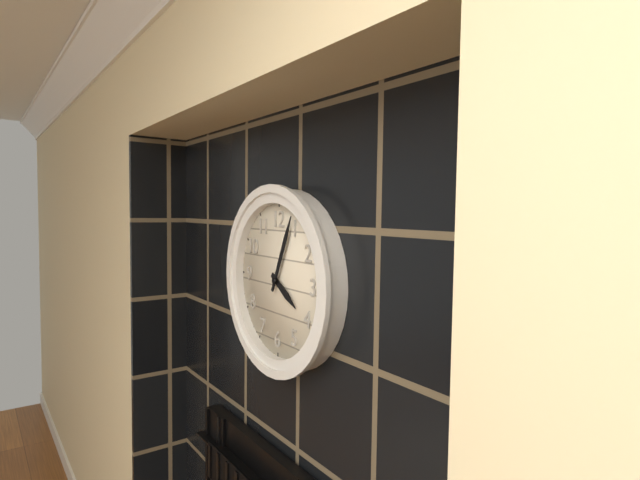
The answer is 4:04
